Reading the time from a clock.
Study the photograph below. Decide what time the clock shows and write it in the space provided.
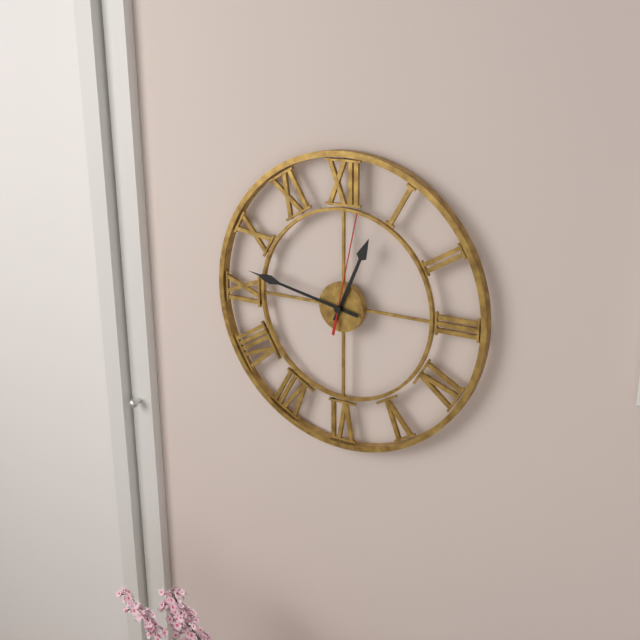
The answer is 12:47:02
